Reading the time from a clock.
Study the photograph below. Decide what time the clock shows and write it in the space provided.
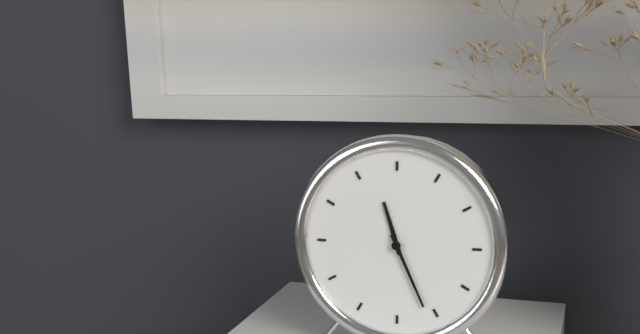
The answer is 11:26
